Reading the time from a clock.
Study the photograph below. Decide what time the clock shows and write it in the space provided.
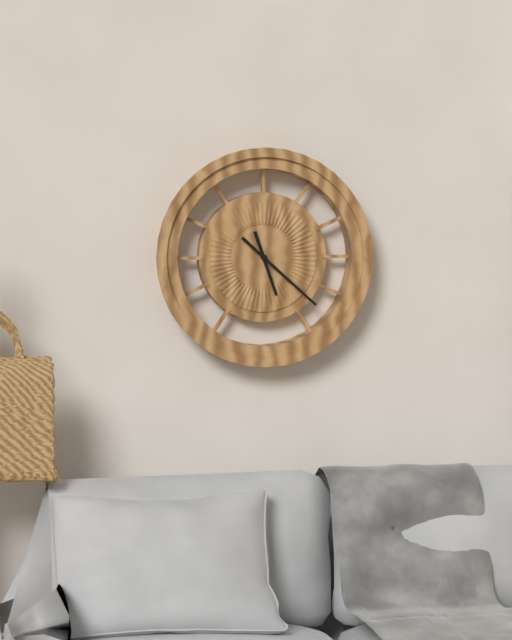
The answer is 5:22
